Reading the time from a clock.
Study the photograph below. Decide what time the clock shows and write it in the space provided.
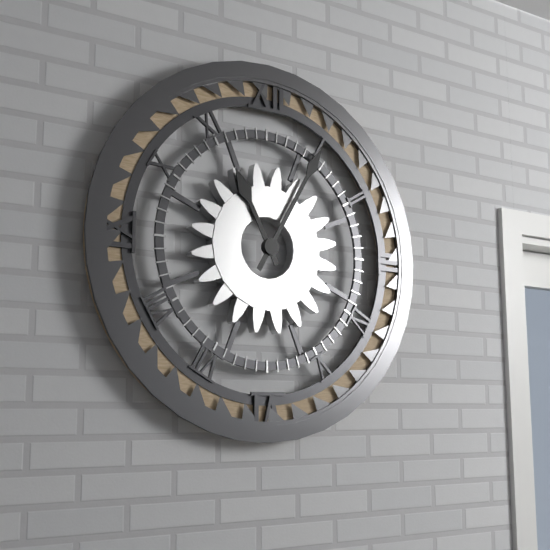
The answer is 11:05
